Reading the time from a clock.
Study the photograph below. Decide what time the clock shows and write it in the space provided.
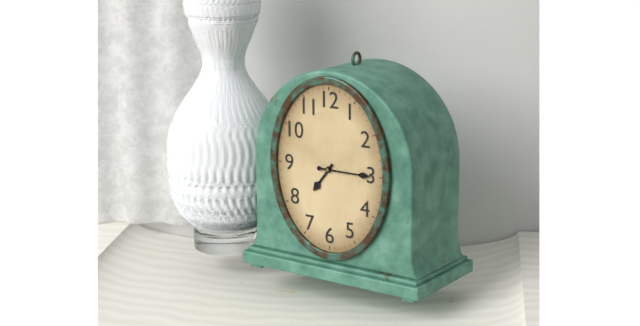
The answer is 7:15
